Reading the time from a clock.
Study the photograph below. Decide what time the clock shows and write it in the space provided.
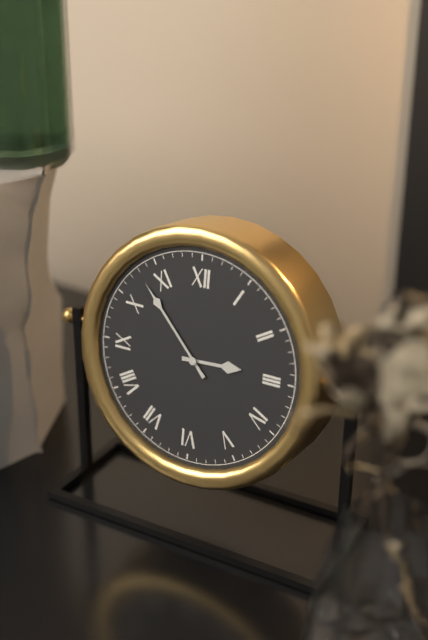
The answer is 2:53
